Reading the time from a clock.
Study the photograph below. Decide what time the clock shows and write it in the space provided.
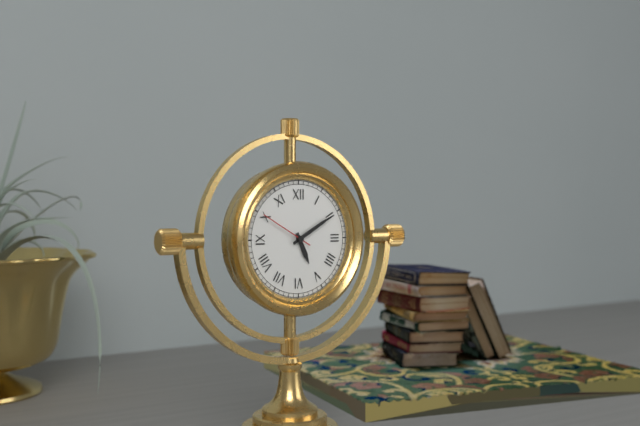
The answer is 5:10:50
